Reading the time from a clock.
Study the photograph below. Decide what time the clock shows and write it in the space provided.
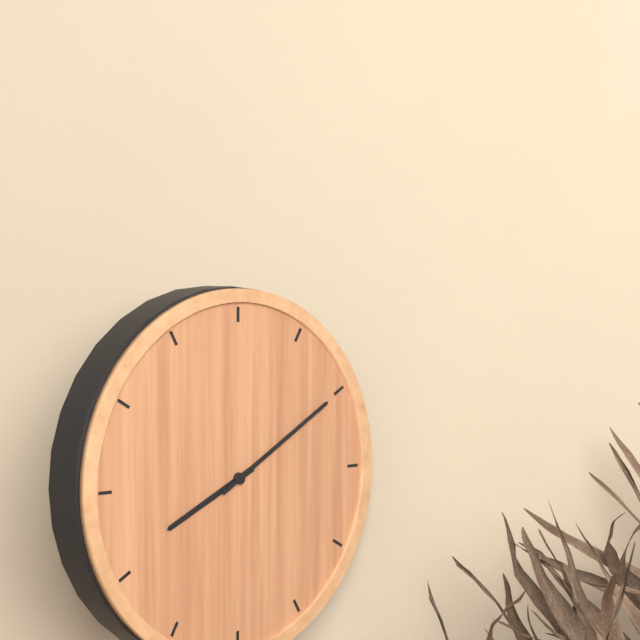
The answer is 8:10
